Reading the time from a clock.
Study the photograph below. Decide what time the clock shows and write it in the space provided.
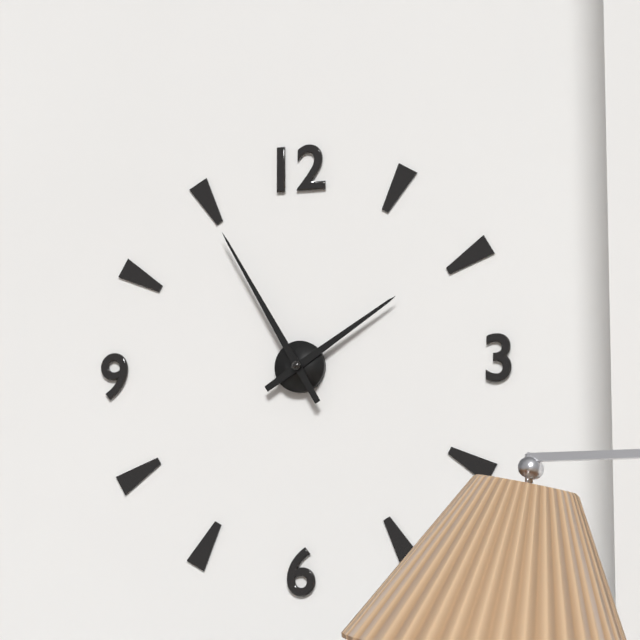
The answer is 1:55
